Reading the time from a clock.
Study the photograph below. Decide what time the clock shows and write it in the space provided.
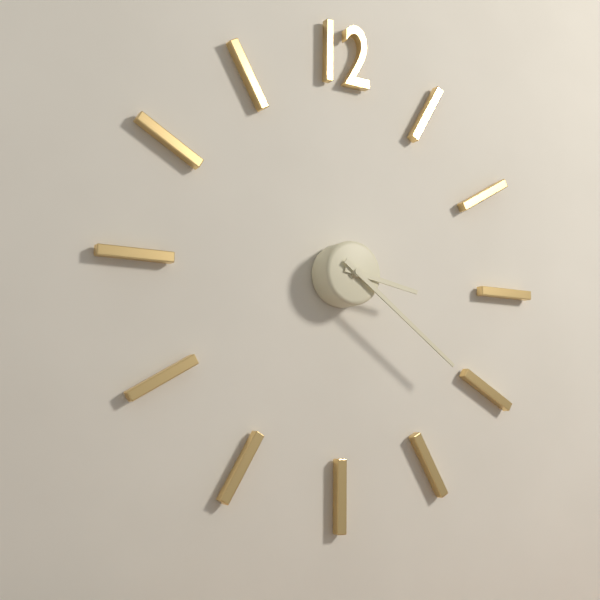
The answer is 3:21
